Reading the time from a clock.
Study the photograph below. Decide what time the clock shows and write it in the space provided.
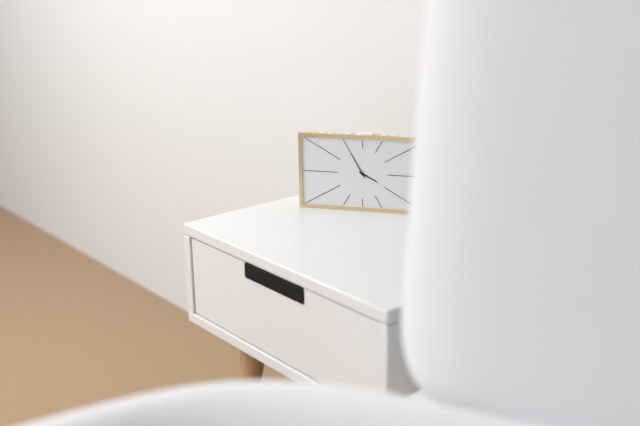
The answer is 3:55
